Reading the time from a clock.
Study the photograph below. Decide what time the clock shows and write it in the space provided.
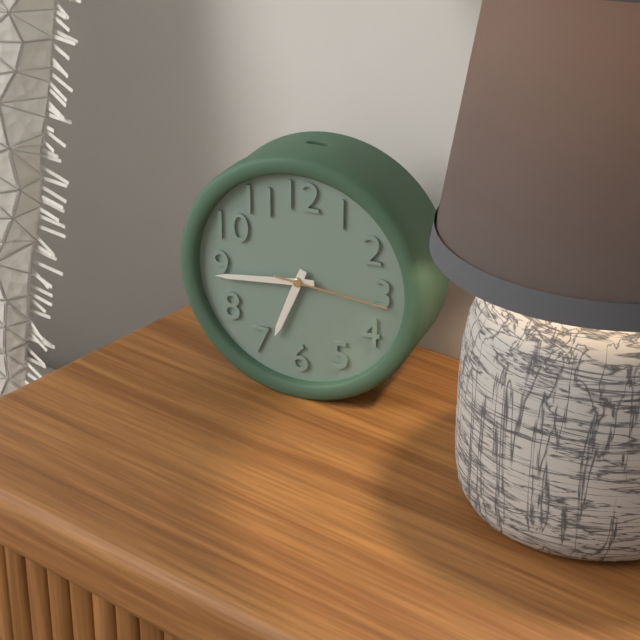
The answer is 6:44:16
